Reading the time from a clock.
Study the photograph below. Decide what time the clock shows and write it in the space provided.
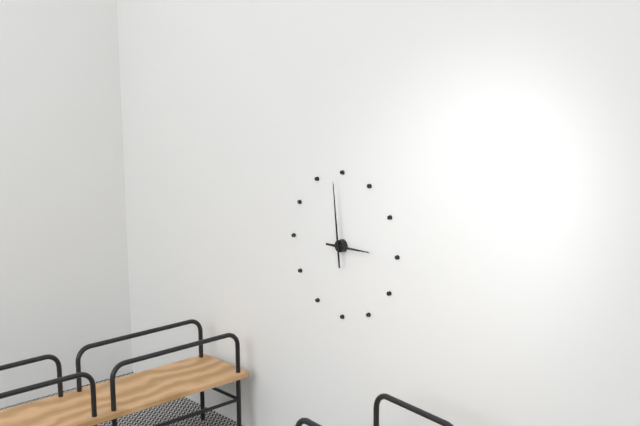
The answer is 2:59
